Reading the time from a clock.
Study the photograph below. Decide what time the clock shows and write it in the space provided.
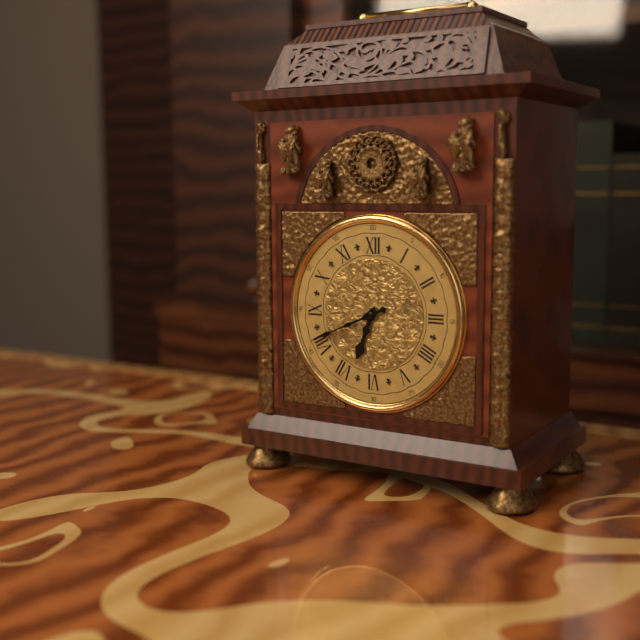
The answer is 6:41
